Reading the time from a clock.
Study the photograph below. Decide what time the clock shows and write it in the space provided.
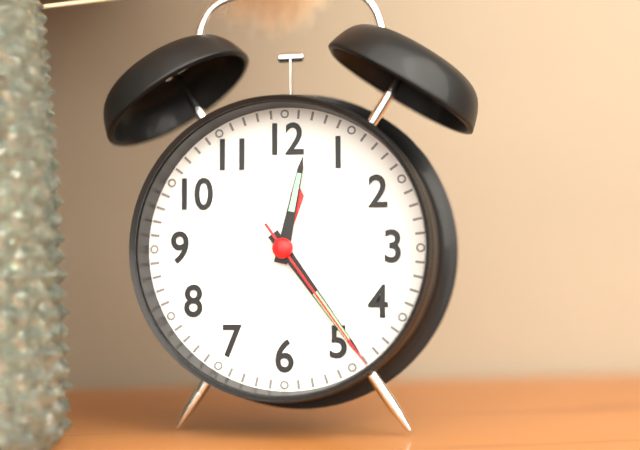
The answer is 12:24:24
